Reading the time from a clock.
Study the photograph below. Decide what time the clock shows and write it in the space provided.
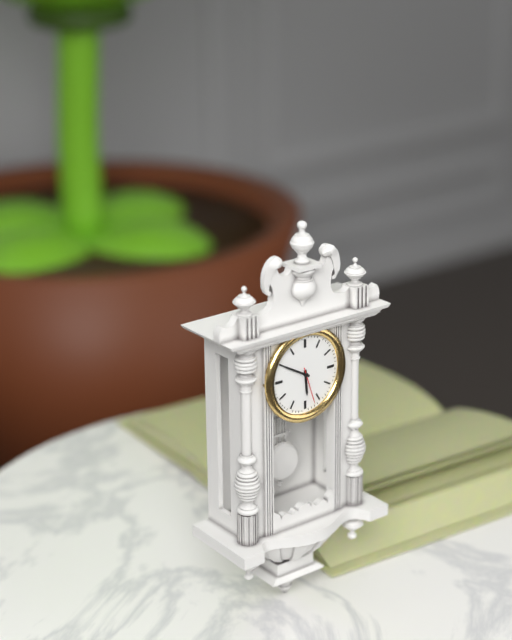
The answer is 5:50
